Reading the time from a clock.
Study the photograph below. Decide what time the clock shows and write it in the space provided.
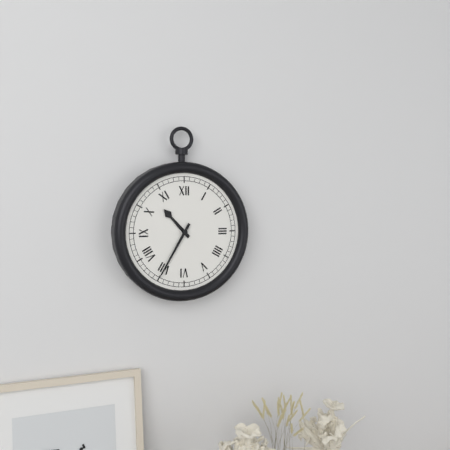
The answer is 10:35
